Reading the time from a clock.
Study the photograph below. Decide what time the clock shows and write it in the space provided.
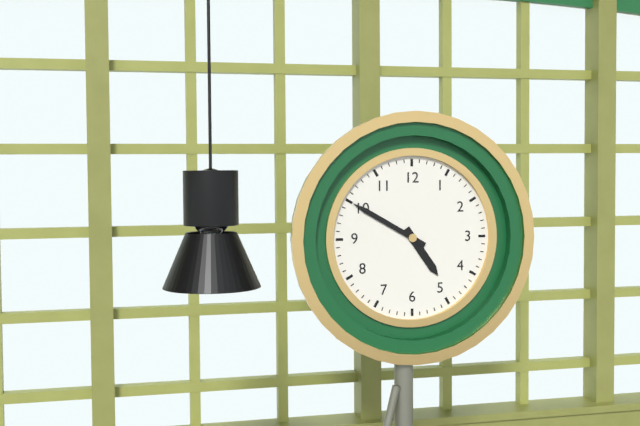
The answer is 4:50
